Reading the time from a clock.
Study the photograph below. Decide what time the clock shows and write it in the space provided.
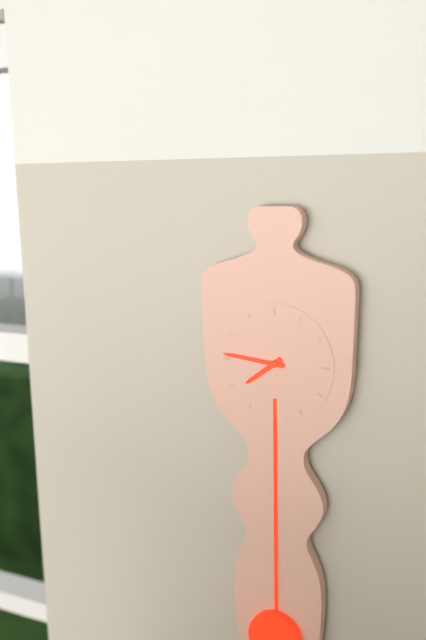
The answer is 7:46
